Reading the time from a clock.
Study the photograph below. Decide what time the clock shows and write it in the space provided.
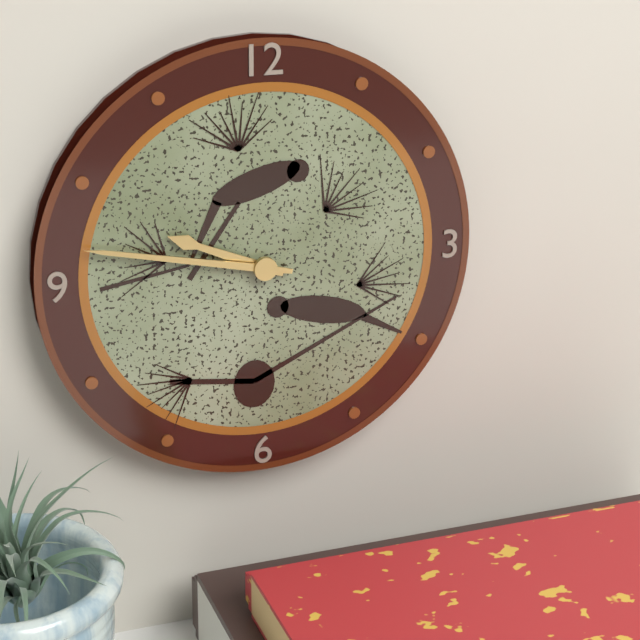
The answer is 9:47
